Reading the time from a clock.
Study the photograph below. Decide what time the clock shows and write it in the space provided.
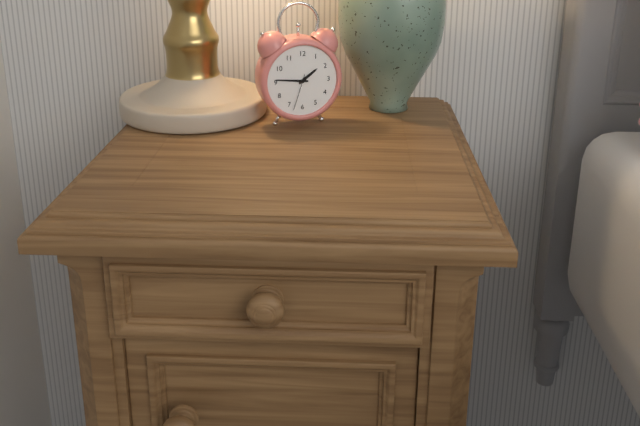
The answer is 1:46
